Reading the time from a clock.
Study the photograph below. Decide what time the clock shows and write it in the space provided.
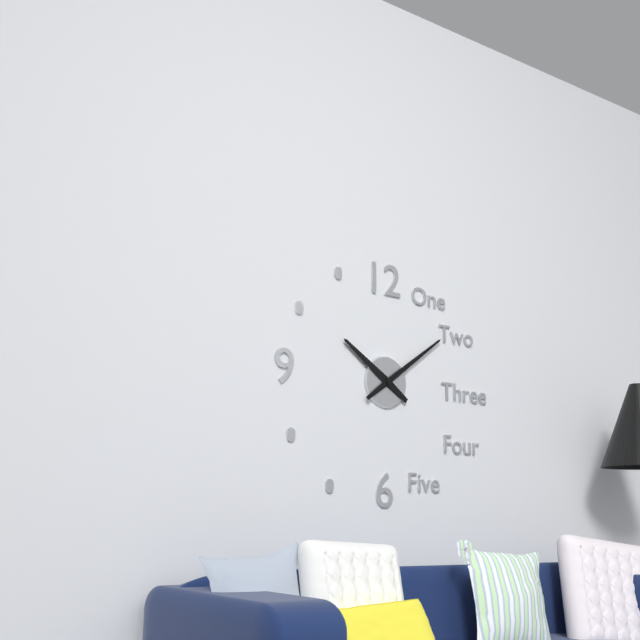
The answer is 10:09
